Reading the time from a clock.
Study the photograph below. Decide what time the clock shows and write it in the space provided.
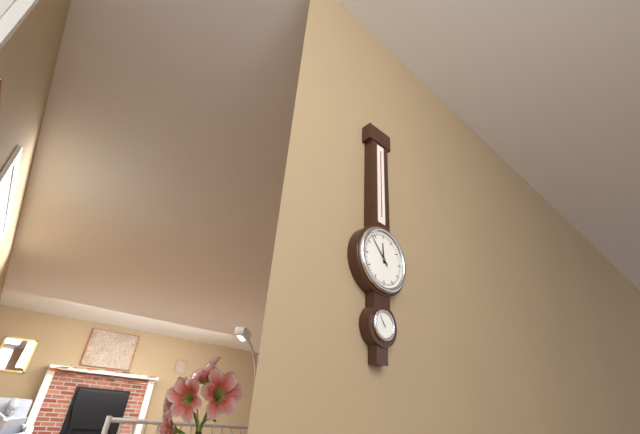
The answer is 11:53
